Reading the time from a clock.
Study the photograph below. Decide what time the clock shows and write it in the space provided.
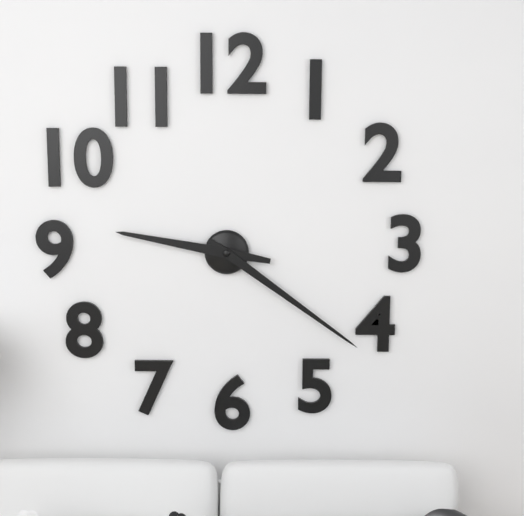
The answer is 9:21
